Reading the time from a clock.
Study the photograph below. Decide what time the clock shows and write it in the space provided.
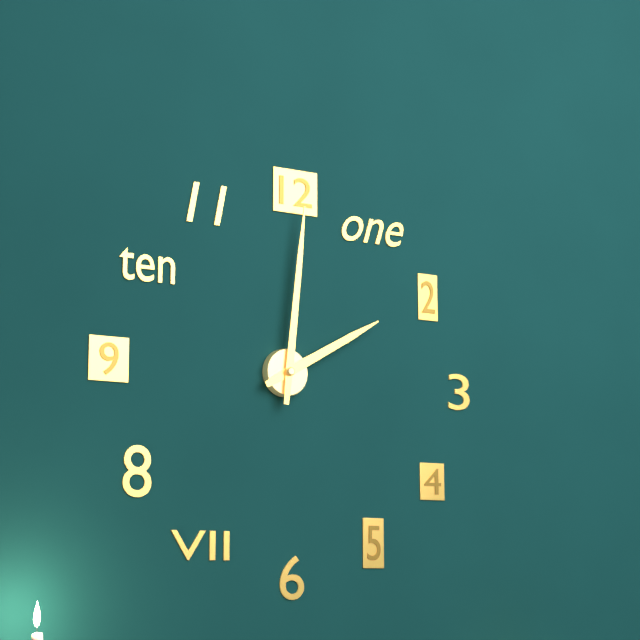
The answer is 2:01
